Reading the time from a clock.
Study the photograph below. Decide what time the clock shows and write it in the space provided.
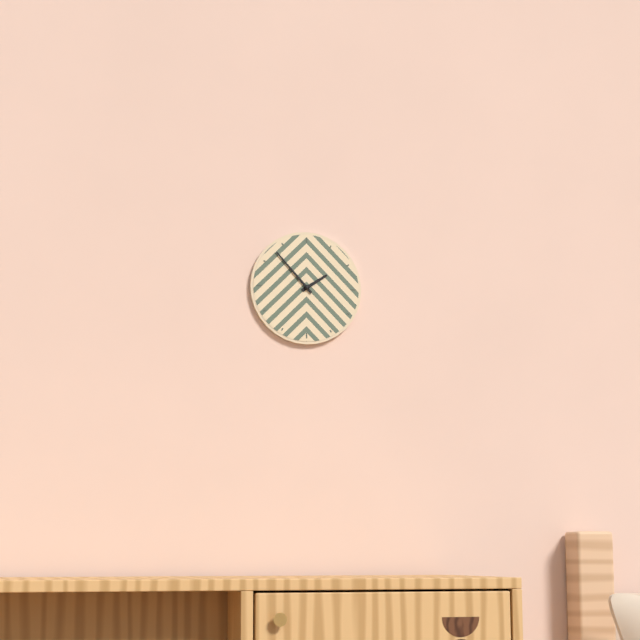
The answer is 1:53
